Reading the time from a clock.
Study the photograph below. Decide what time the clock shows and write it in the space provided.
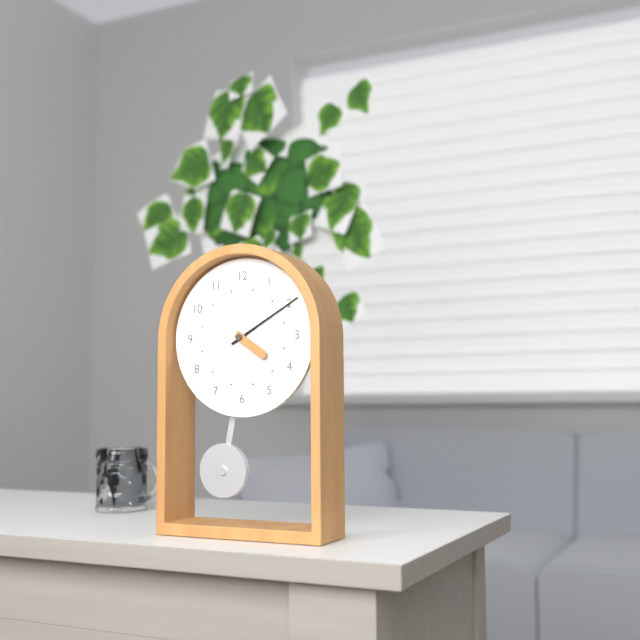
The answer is 4:10
